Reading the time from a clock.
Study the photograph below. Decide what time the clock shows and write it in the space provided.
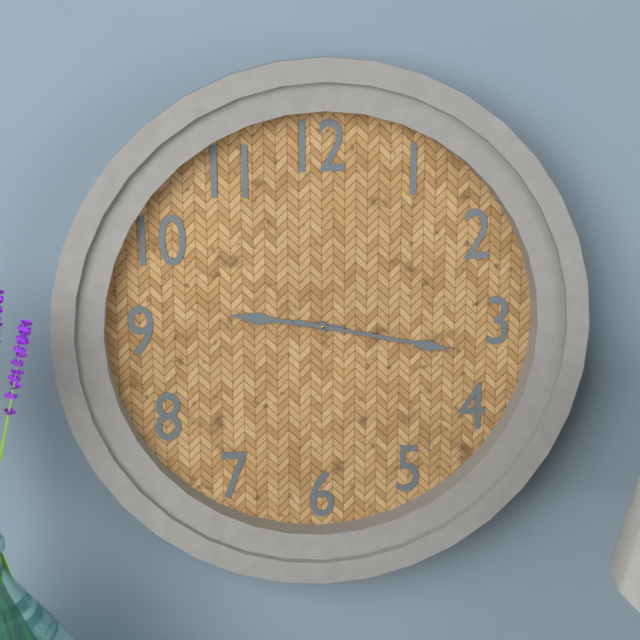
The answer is 9:17
